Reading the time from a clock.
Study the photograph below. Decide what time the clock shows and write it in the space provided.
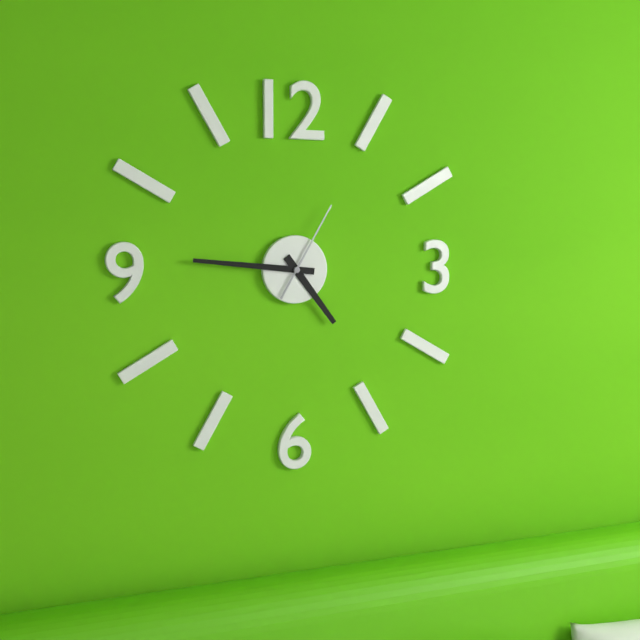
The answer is 4:46:05
